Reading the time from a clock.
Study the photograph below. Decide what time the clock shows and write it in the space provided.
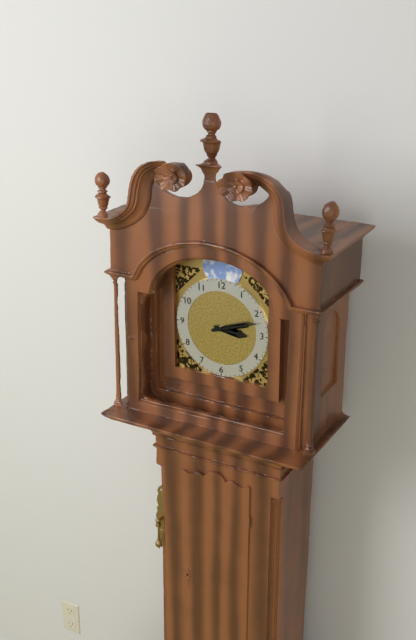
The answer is 3:12
